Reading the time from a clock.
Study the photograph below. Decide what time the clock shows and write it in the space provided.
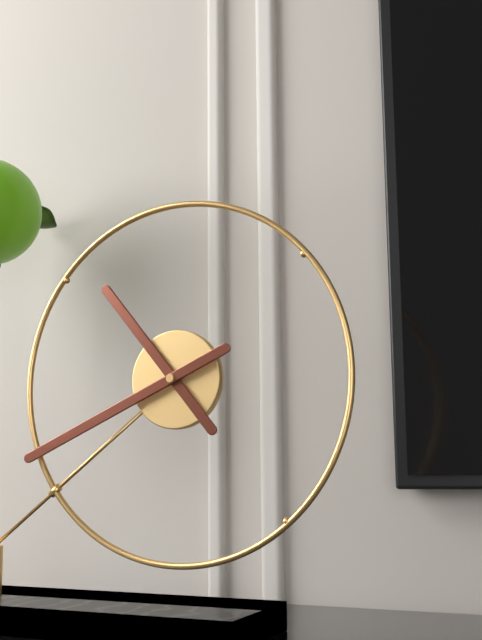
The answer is 10:41
